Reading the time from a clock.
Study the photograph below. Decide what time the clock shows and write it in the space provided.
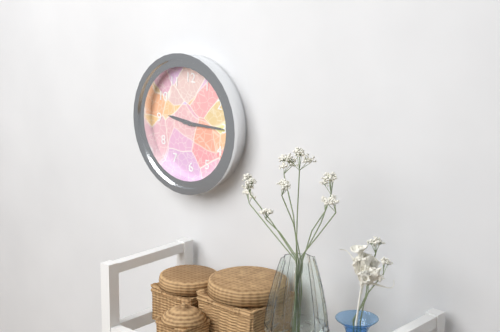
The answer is 9:15
